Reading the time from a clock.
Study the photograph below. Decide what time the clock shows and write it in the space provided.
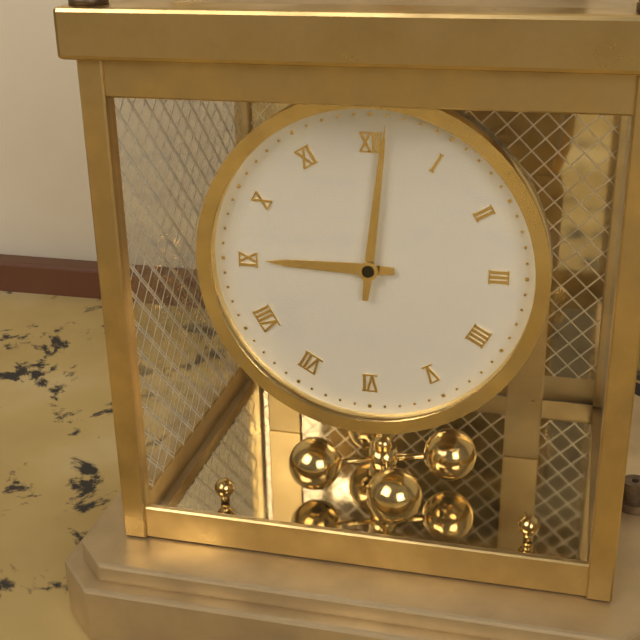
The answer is 9:01
